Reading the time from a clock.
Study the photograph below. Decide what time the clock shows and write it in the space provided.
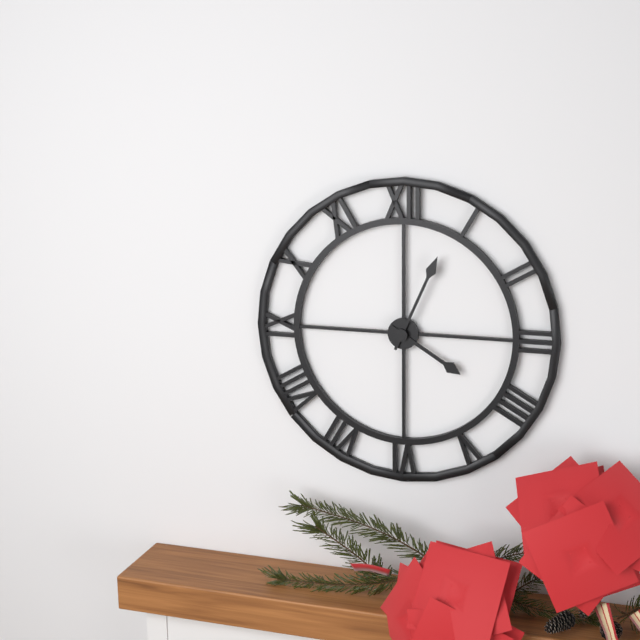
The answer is 4:04
